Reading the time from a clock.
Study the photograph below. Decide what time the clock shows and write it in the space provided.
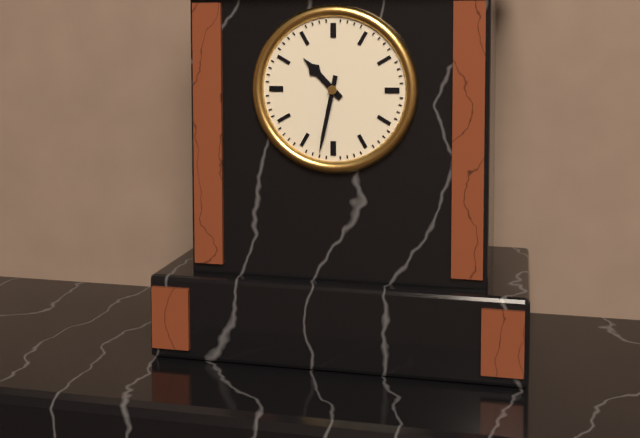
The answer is 10:32
